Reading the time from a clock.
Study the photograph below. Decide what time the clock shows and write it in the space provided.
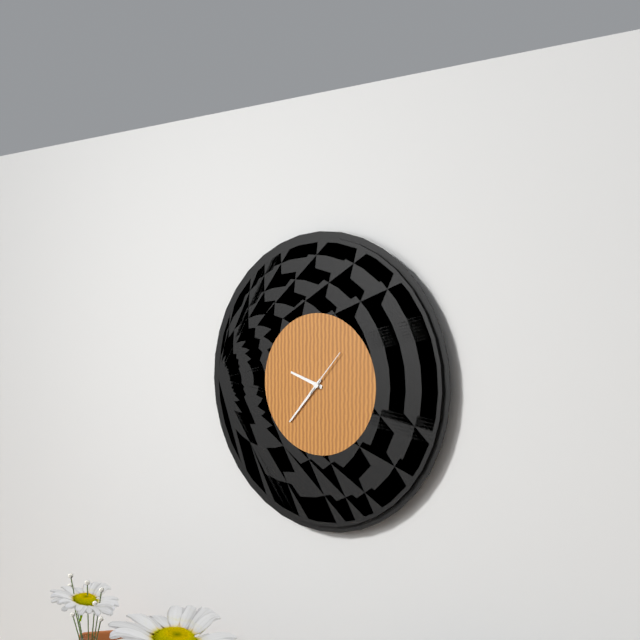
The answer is 9:37:07
